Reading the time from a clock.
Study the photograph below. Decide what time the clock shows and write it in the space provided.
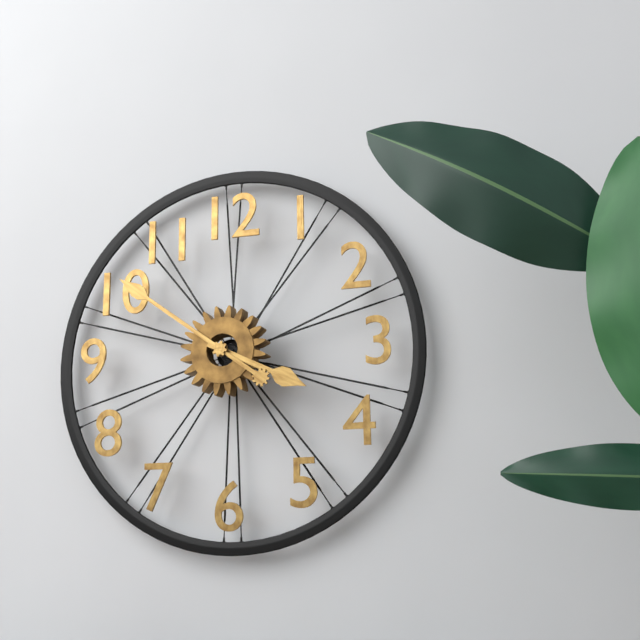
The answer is 3:51
